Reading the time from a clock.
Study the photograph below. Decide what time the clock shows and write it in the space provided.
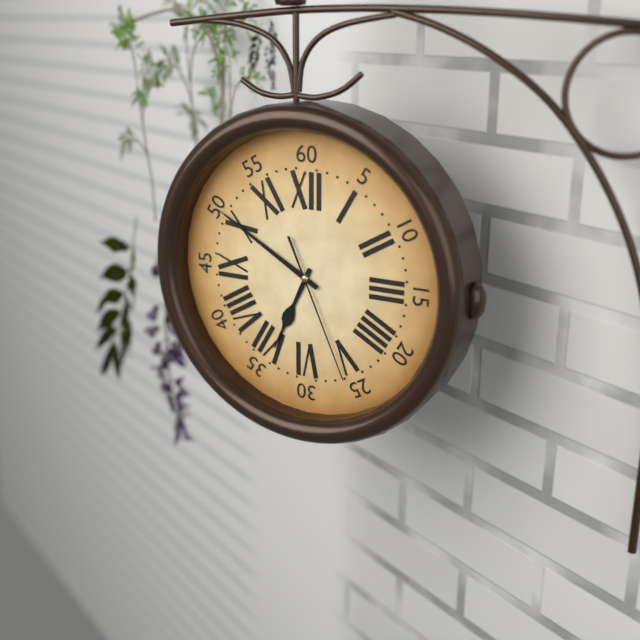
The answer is 6:50:26
